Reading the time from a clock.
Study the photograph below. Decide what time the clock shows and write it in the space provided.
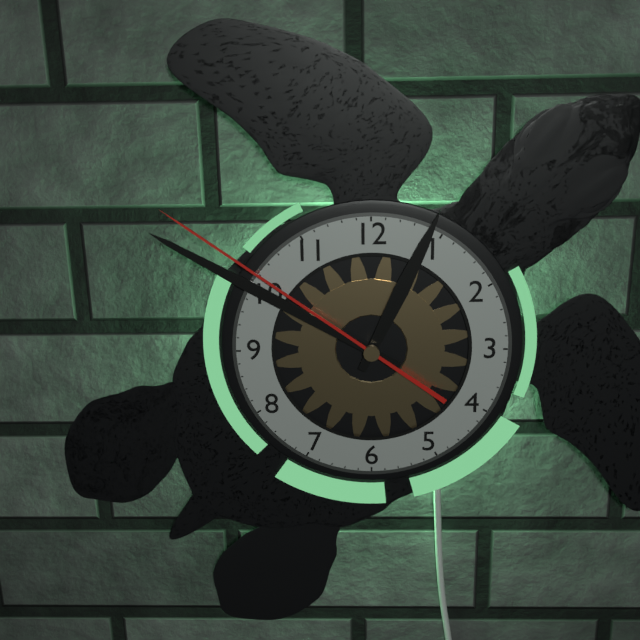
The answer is 12:50:51
